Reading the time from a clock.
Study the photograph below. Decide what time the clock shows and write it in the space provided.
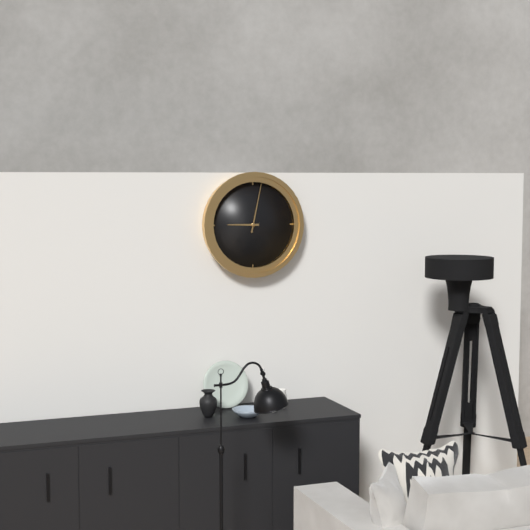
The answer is 9:02
